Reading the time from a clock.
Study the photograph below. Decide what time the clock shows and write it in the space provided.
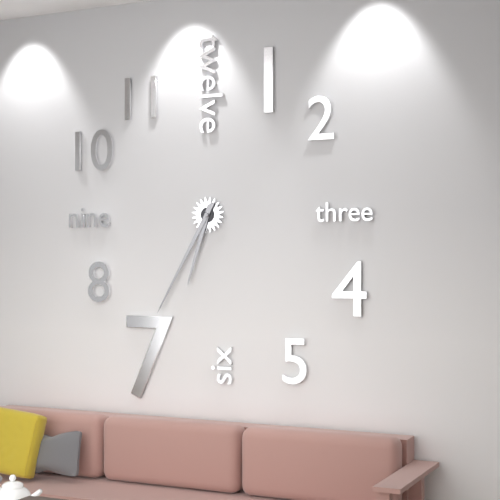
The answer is 6:35
